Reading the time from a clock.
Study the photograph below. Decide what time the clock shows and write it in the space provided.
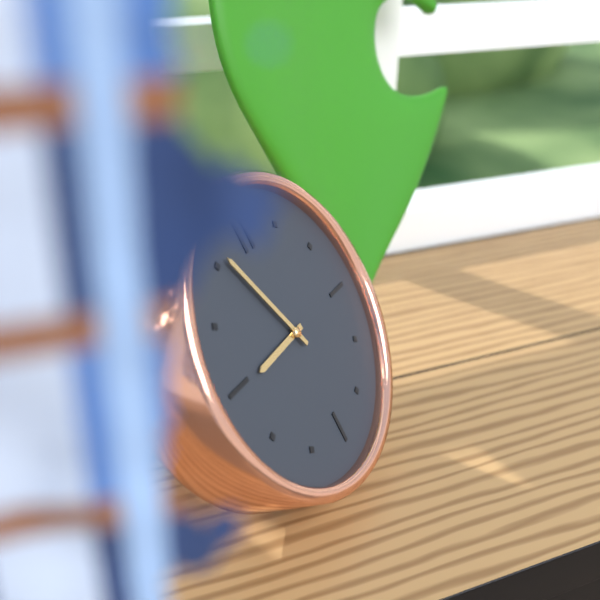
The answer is 8:56
